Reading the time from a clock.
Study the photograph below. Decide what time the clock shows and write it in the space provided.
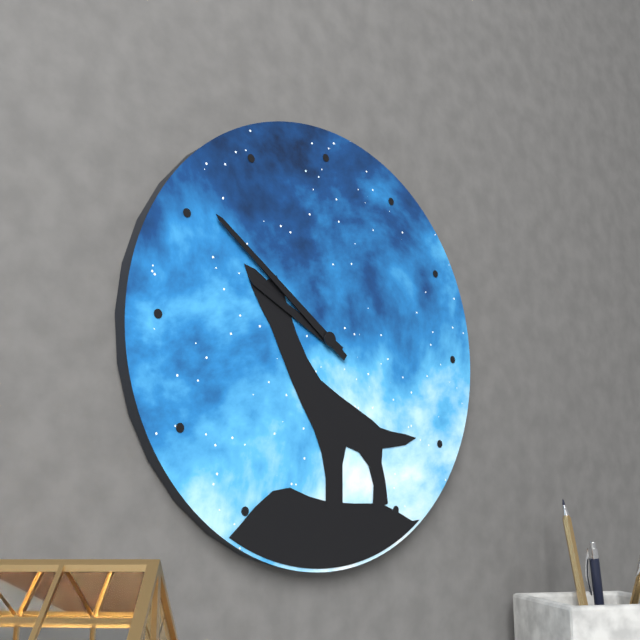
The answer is 9:51
